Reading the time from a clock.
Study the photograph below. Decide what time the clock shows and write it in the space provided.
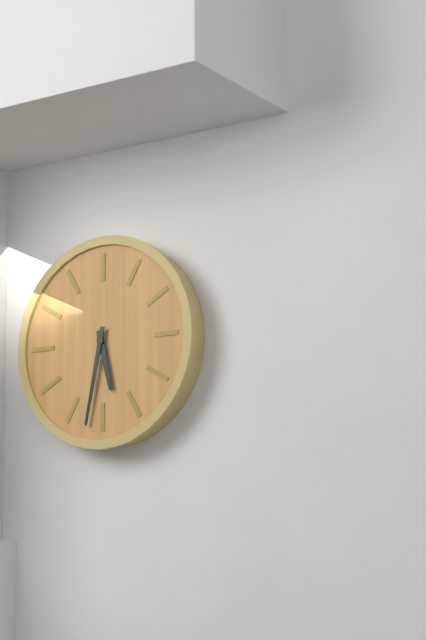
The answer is 5:32
